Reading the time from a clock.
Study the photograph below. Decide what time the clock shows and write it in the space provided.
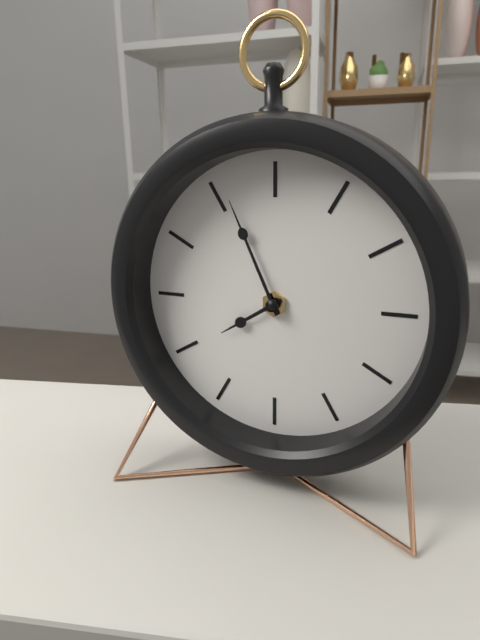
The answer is 7:56
